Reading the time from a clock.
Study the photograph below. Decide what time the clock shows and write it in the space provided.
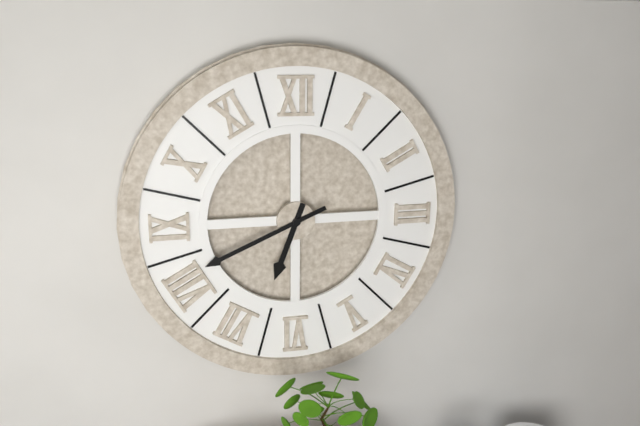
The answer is 6:41
